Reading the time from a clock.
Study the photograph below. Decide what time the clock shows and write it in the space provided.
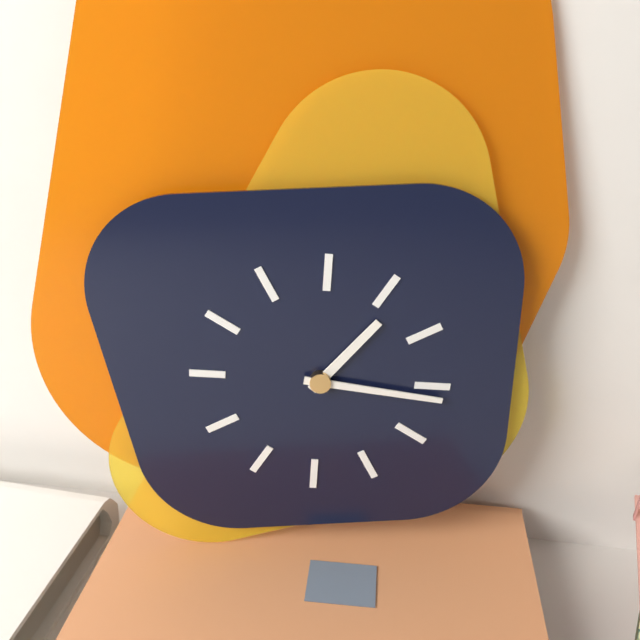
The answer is 1:16
